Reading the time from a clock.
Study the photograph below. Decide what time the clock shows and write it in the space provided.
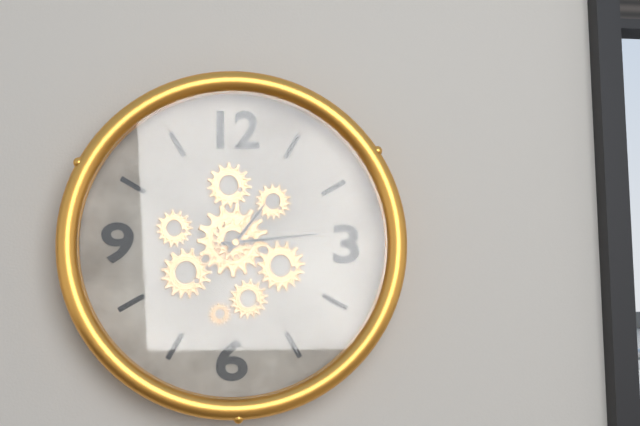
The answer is 1:14
